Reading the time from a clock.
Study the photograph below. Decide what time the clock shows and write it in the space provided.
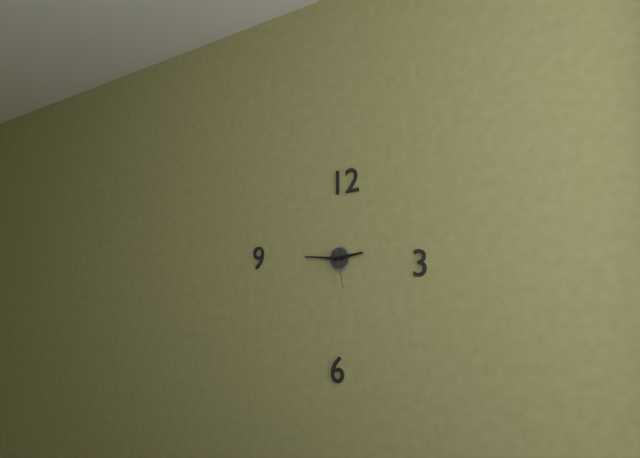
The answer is 2:46
